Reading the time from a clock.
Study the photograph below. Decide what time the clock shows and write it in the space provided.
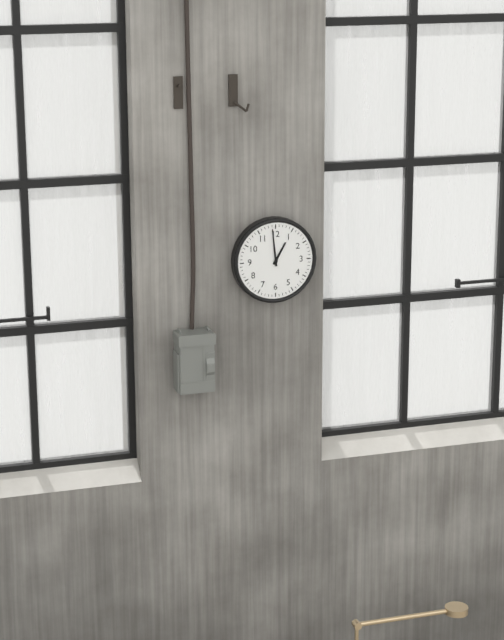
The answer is 12:59
